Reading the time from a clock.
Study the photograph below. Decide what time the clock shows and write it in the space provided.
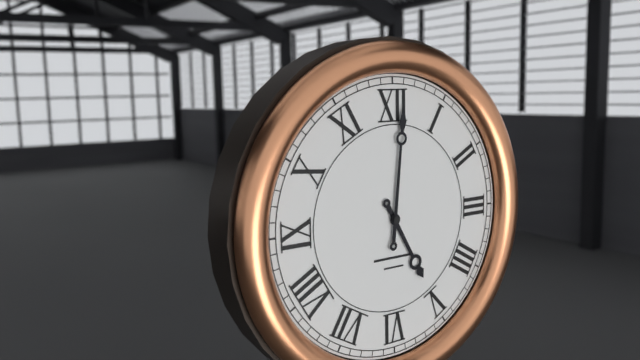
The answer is 5:01
